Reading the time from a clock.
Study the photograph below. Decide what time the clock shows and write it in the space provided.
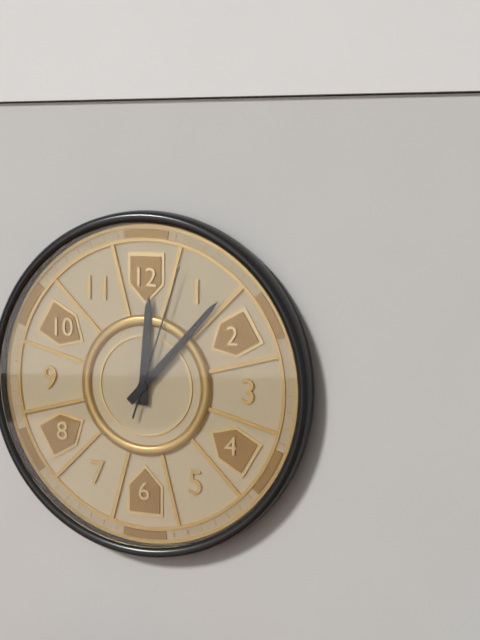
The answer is 12:07:03
